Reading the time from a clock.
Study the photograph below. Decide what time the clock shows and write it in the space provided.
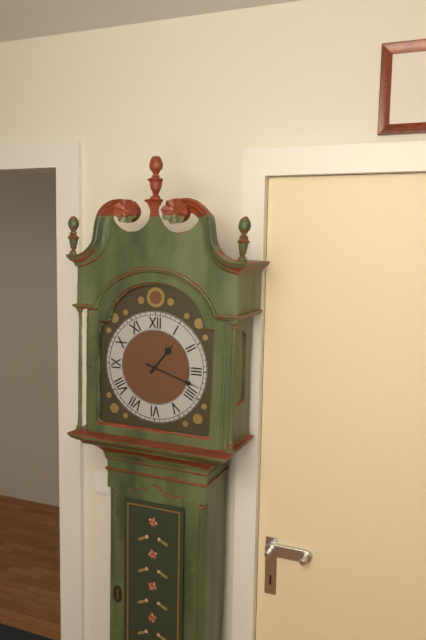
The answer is 1:18
